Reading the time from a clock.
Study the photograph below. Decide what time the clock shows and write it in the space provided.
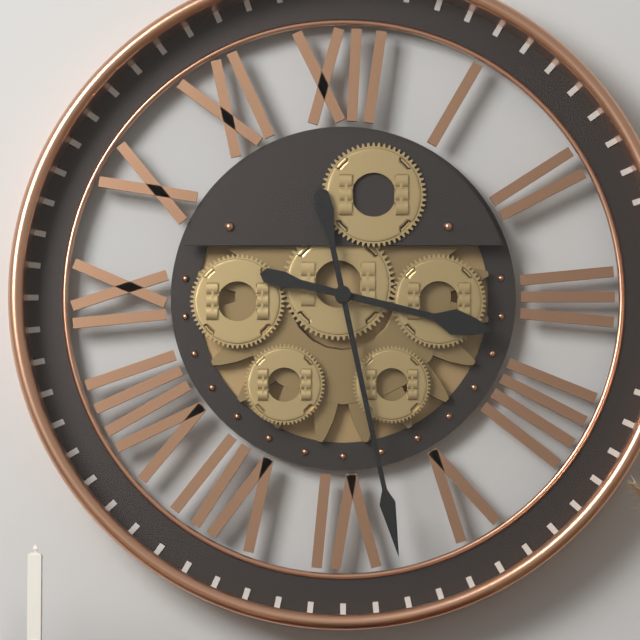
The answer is 3:28
